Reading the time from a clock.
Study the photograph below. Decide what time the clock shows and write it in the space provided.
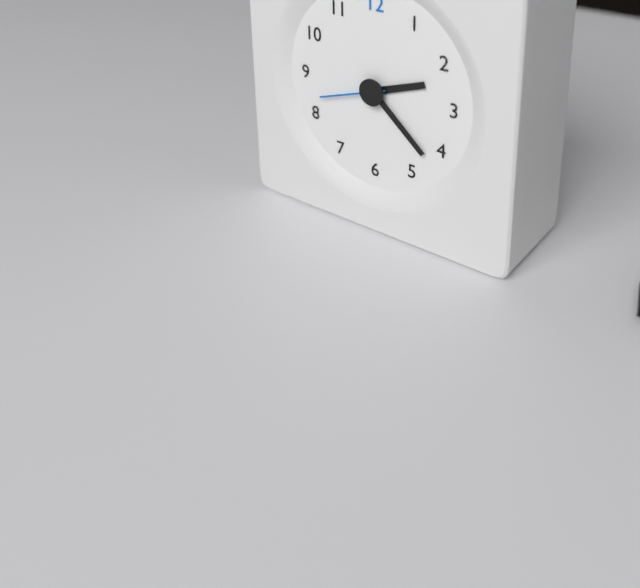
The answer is 2:22:42
